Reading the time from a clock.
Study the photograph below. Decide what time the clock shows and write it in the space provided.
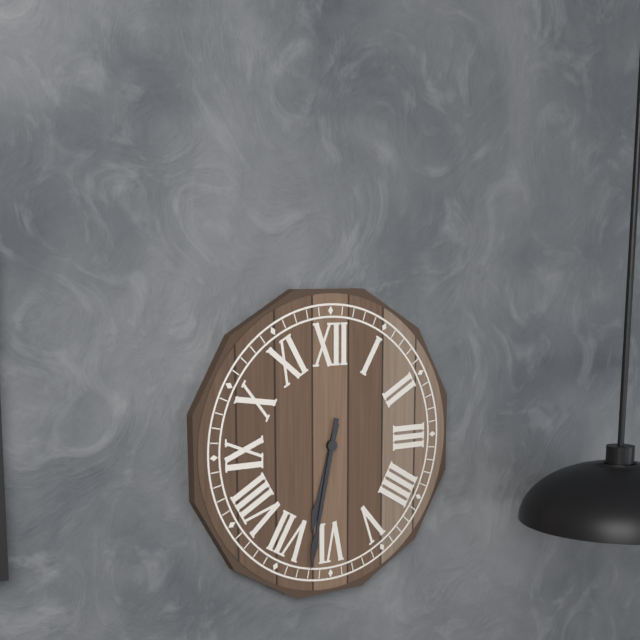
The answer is 6:32
